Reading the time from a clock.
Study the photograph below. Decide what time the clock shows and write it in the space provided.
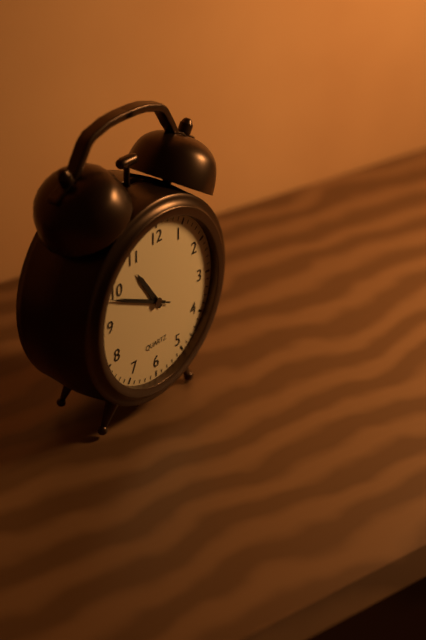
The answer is 10:49:49
